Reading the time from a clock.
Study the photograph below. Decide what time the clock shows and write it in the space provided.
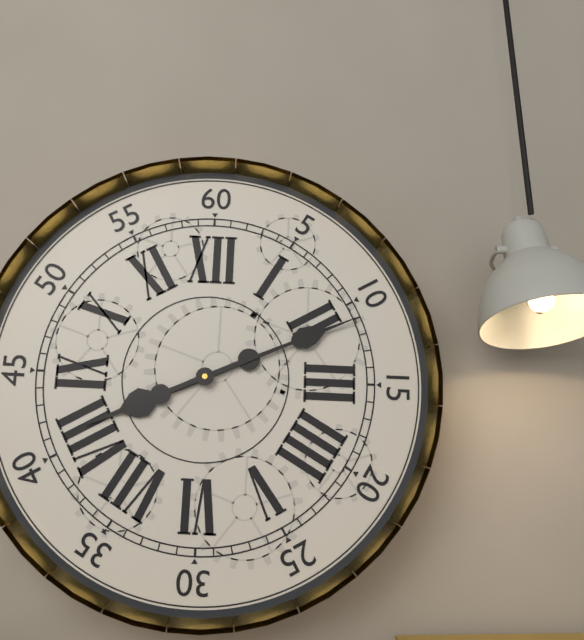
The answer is 8:11
